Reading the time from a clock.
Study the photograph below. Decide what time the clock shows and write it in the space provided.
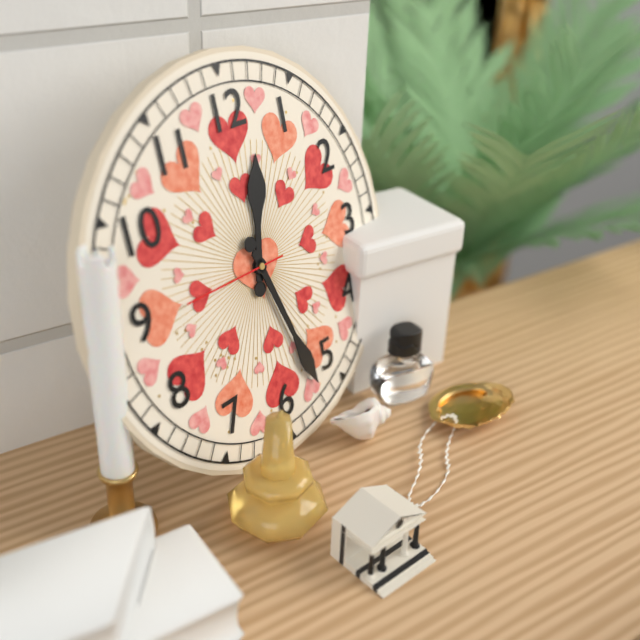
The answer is 12:27:45
